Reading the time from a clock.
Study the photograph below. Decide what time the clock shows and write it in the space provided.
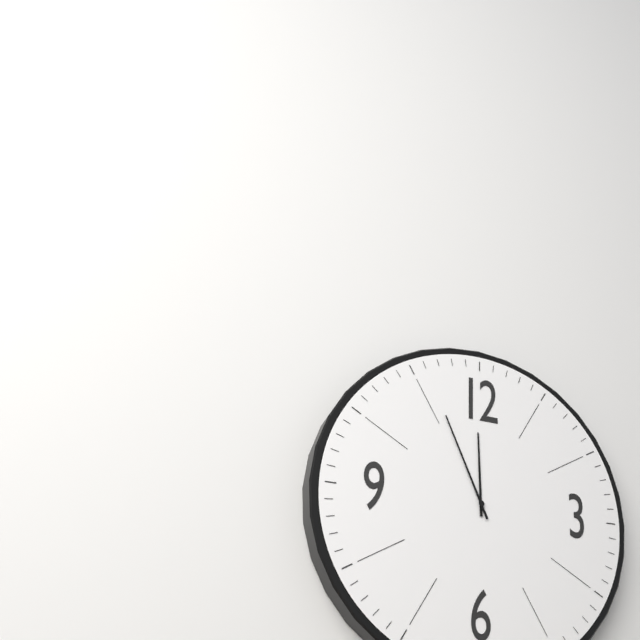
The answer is 11:56
